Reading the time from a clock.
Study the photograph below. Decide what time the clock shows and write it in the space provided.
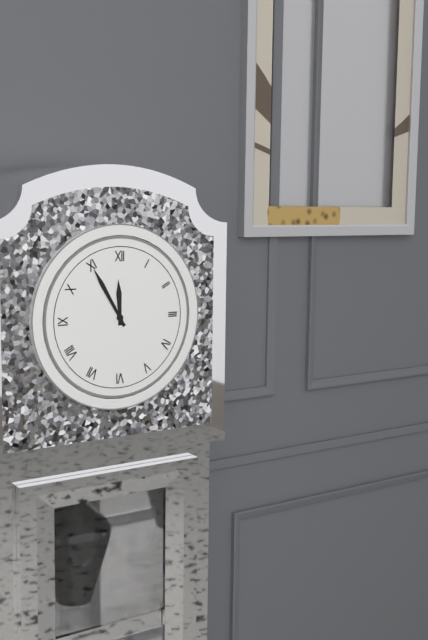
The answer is 11:55
